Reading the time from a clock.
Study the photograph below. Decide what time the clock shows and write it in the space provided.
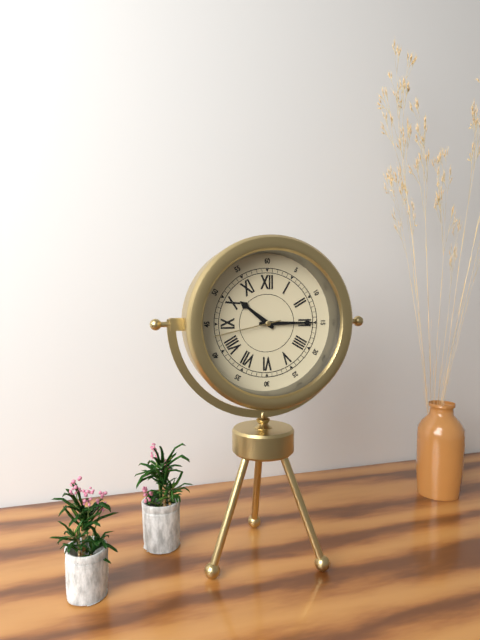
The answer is 10:15:43
